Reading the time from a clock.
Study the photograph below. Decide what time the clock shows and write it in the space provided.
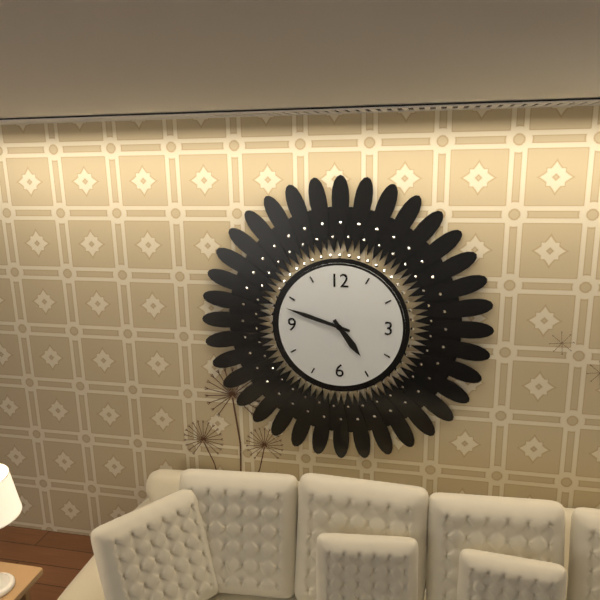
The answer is 4:48
